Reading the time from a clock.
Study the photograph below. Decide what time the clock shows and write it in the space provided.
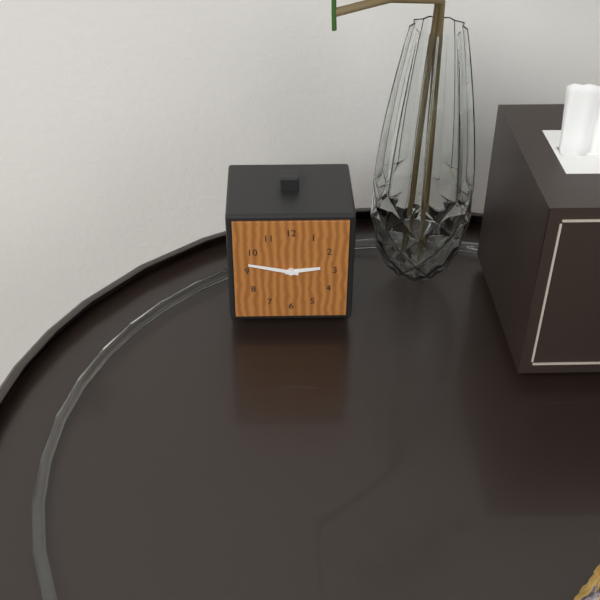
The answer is 2:47
